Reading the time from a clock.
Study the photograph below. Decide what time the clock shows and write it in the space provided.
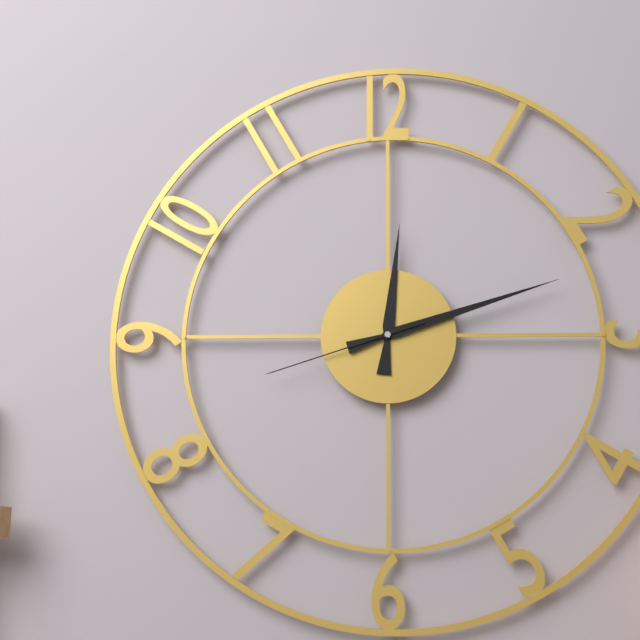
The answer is 12:12:42
